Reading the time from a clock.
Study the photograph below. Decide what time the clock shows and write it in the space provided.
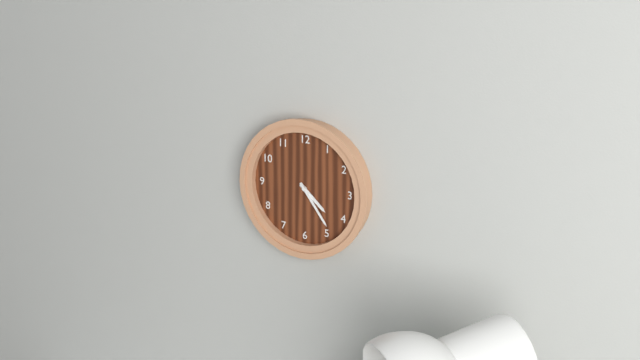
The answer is 4:24
